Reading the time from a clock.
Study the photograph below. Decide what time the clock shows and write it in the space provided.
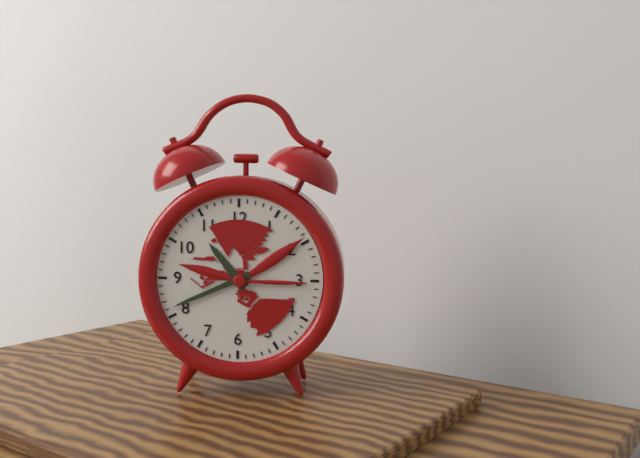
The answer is 10:41
